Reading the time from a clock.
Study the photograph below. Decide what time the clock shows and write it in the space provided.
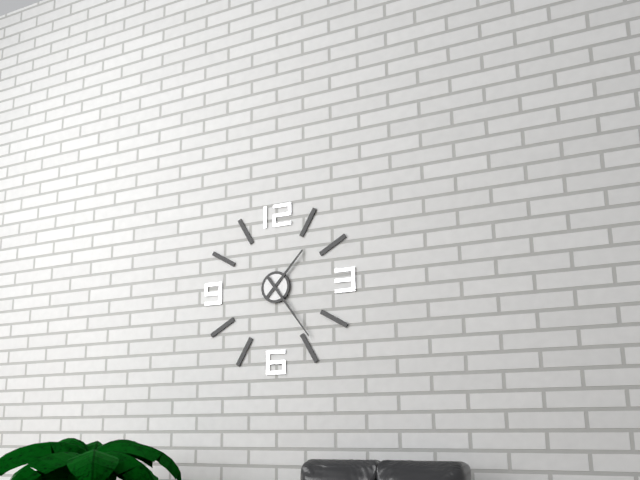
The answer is 1:24
